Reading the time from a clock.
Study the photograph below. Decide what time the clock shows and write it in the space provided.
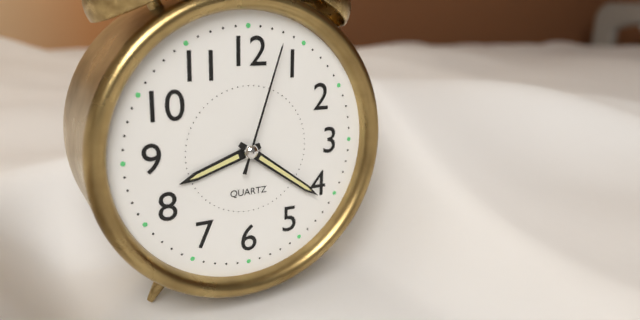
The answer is 8:21:03
